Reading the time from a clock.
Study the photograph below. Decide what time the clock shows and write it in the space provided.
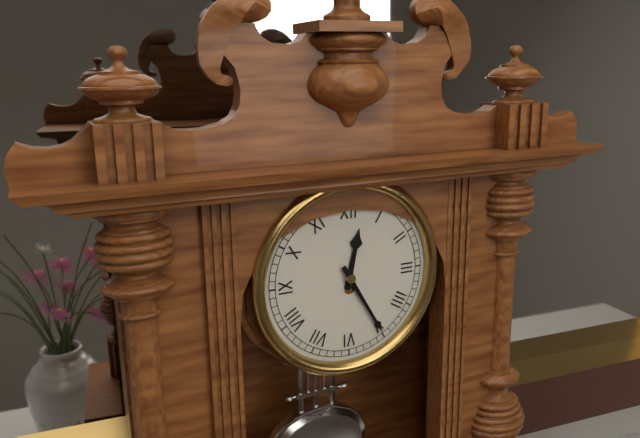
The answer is 12:25
